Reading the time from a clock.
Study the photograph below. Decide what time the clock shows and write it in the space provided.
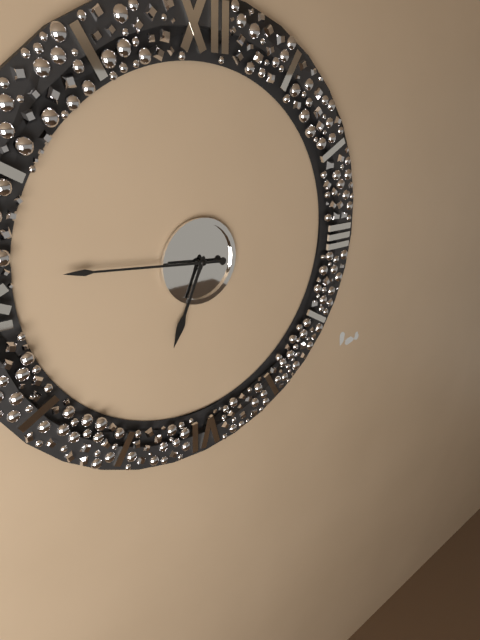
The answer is 6:46
